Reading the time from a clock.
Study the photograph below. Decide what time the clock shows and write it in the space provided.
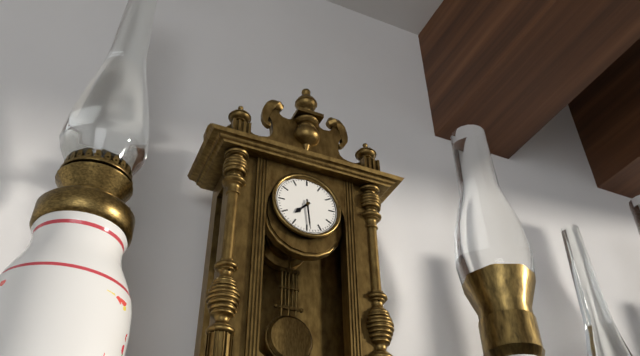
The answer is 7:29
